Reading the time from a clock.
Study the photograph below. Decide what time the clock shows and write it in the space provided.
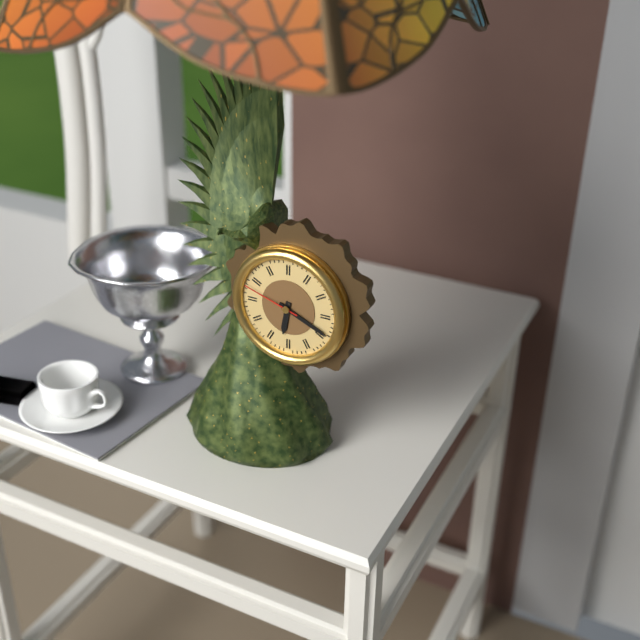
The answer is 6:19:48
